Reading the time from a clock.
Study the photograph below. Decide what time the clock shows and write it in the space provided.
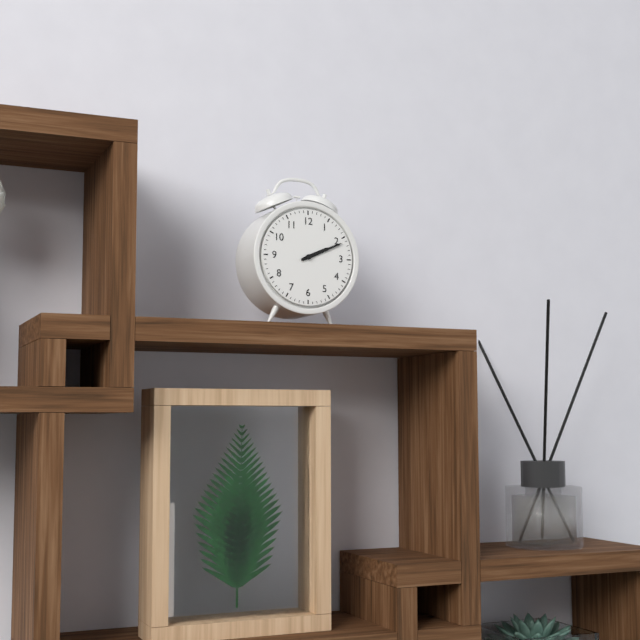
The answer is 2:11
